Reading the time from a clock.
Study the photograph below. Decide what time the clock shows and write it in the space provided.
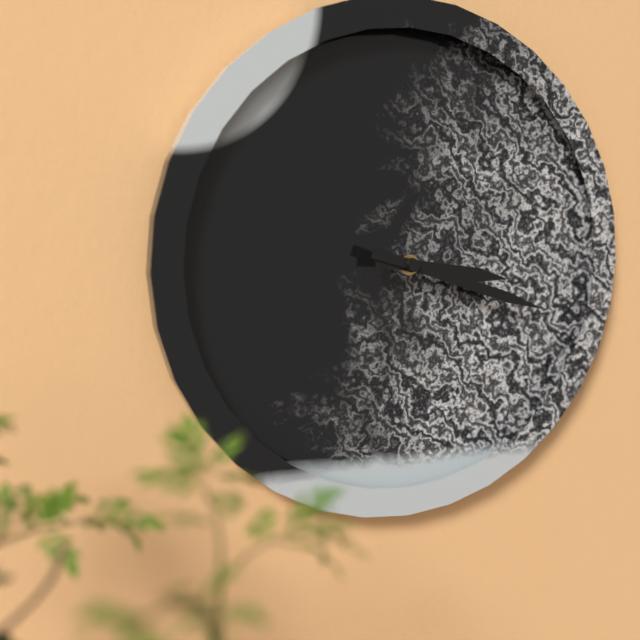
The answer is 3:18
